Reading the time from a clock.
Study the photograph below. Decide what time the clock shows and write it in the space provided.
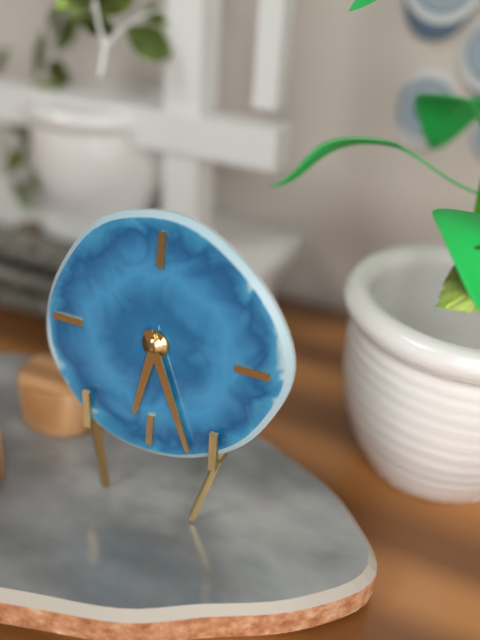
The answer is 6:26
